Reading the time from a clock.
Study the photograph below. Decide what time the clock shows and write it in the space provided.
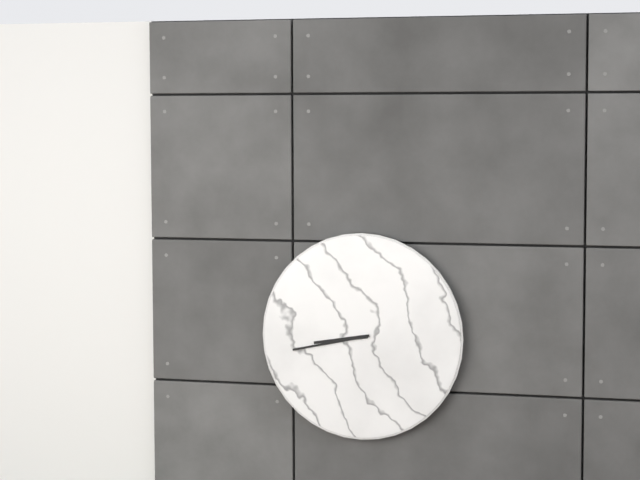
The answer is 8:43
